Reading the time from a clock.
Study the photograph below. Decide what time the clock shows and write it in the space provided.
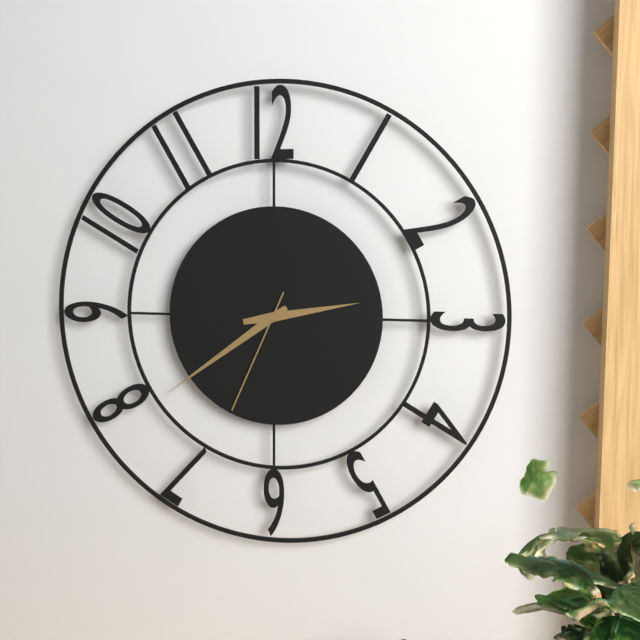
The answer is 2:39:34
